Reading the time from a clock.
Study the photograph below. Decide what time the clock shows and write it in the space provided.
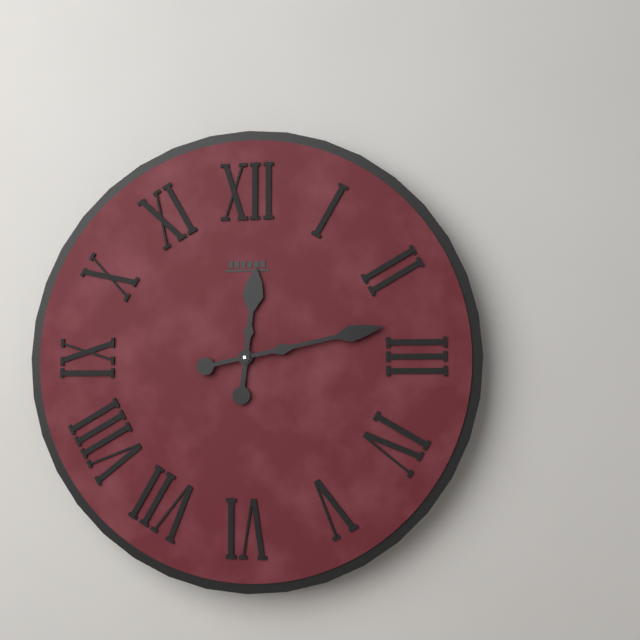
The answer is 12:13
